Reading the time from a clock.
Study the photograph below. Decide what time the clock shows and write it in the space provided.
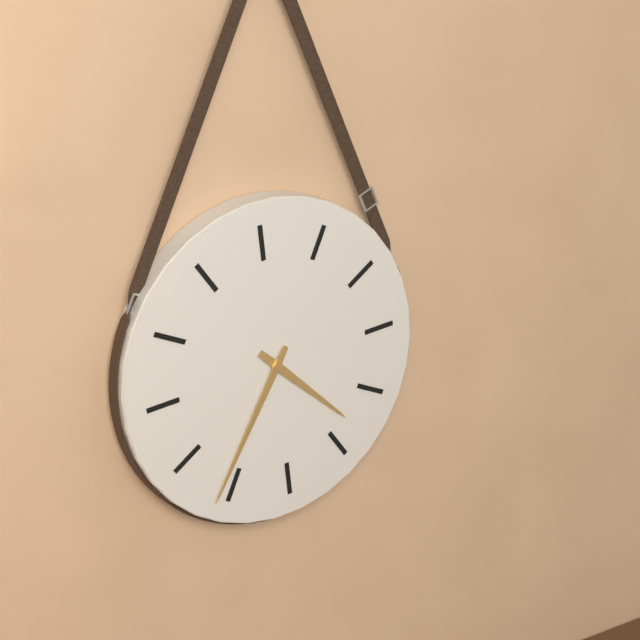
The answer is 4:36
